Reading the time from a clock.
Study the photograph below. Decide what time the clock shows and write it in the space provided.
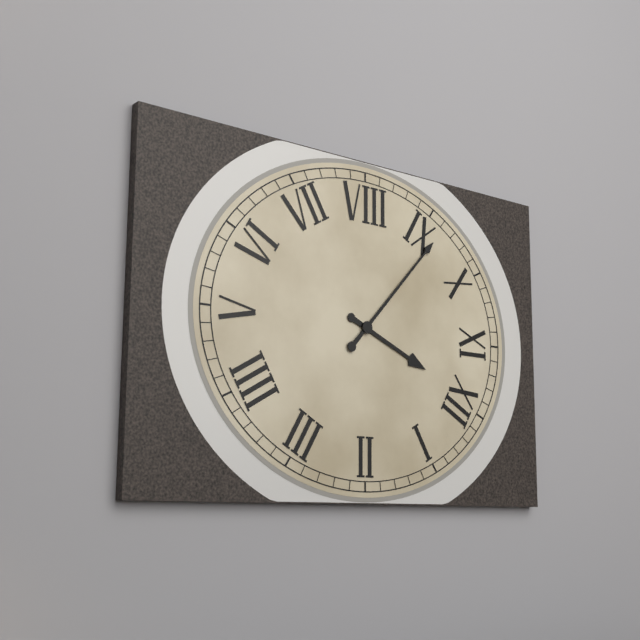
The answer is 11:47
